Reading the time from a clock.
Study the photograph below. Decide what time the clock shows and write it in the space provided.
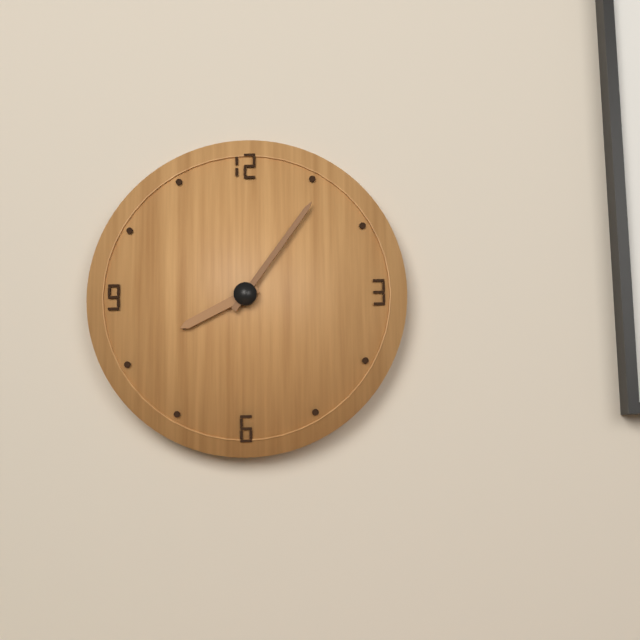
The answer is 8:06
